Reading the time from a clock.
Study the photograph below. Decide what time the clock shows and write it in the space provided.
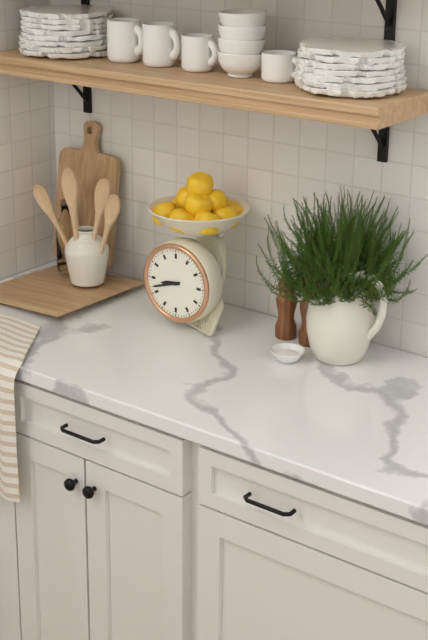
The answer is 8:42
